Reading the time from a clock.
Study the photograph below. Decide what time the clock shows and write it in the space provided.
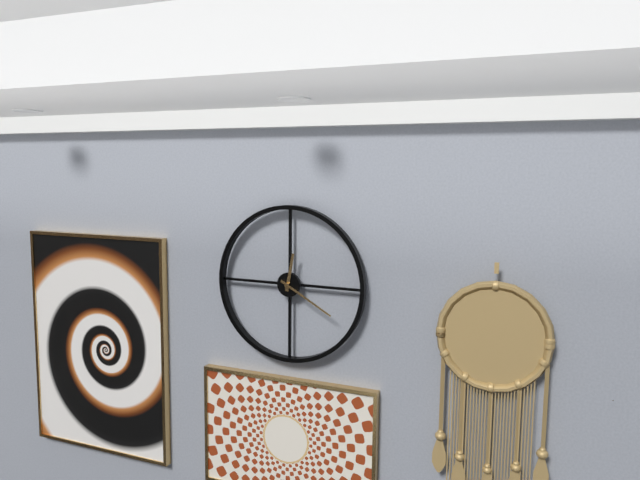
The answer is 12:20
